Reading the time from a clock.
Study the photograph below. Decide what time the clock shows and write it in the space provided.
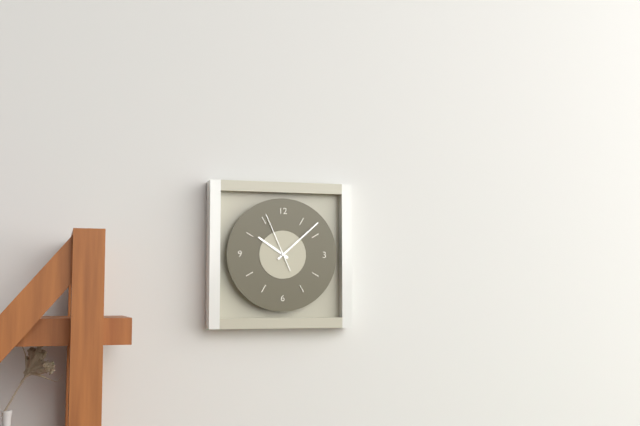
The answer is 10:08:56
